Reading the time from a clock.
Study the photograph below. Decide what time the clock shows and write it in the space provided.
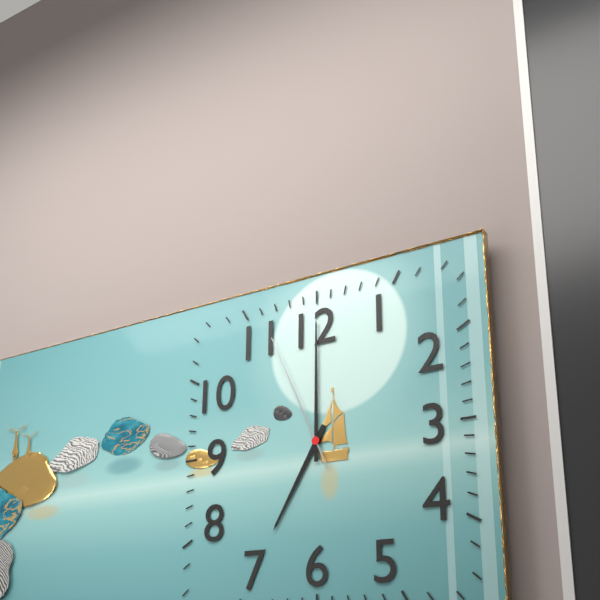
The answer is 7:00:56
